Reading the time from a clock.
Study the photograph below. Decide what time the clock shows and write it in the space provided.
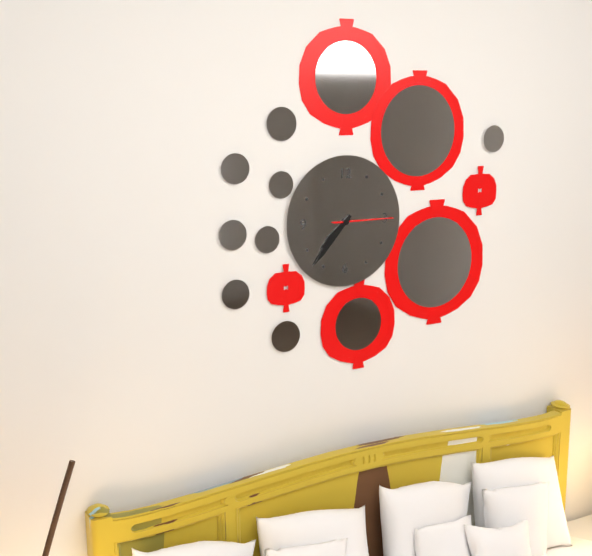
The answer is 7:37:15
